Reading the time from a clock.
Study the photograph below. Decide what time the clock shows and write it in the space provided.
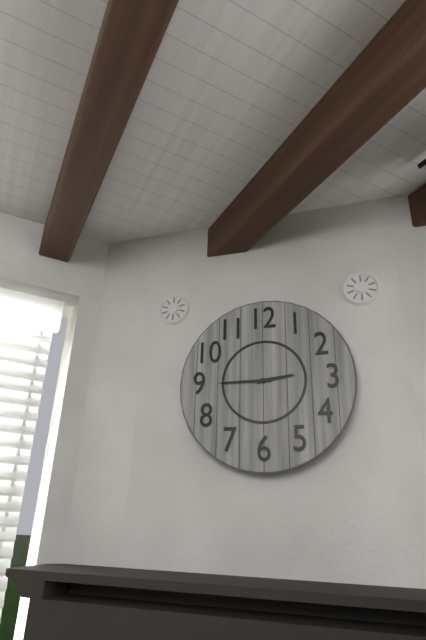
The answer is 2:45
